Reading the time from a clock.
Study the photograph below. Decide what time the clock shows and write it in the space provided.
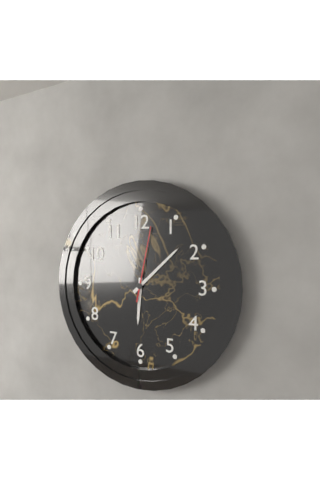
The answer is 6:08:02
